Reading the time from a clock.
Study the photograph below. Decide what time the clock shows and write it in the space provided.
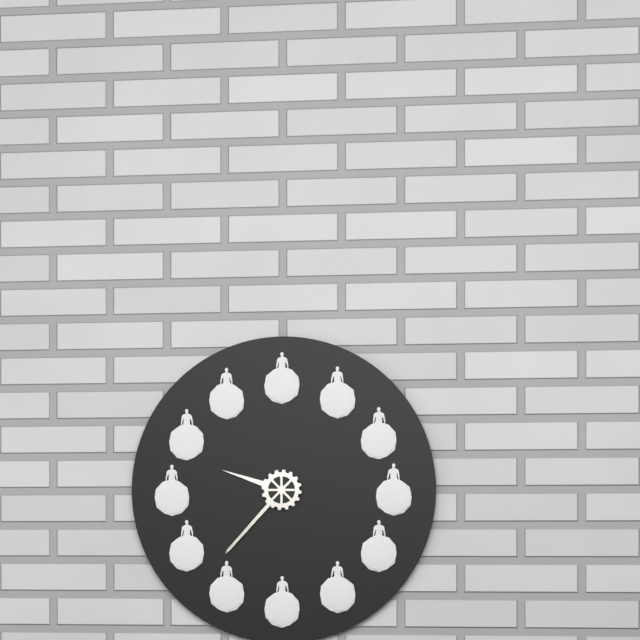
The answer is 9:37
